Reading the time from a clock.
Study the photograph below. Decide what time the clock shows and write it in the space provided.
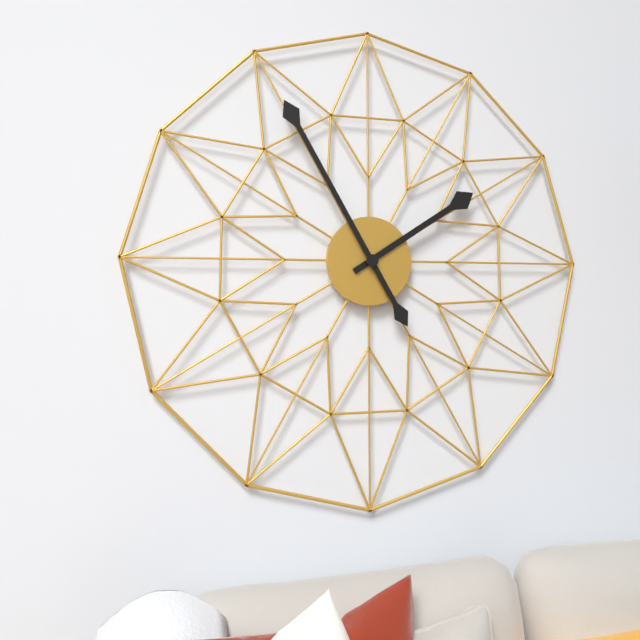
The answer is 1:55
